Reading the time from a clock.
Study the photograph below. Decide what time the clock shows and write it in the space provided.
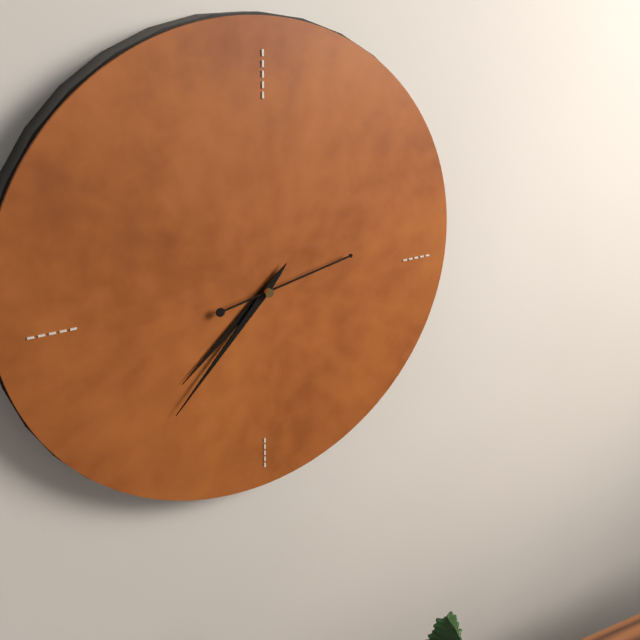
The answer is 7:37:13
